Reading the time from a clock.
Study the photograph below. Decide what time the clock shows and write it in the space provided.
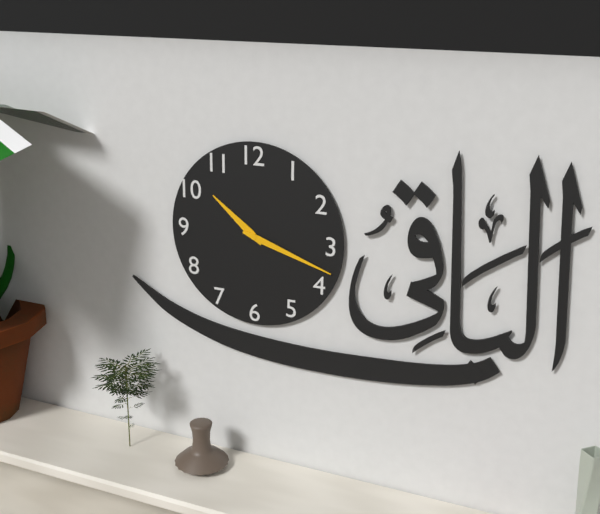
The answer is 10:18
